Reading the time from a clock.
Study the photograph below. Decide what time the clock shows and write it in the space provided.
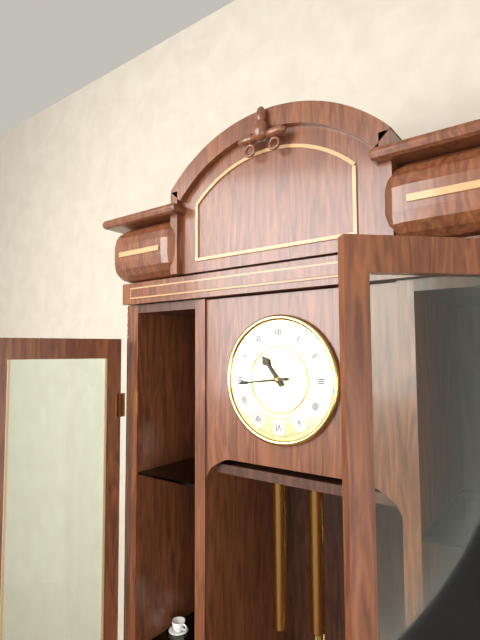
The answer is 10:44
